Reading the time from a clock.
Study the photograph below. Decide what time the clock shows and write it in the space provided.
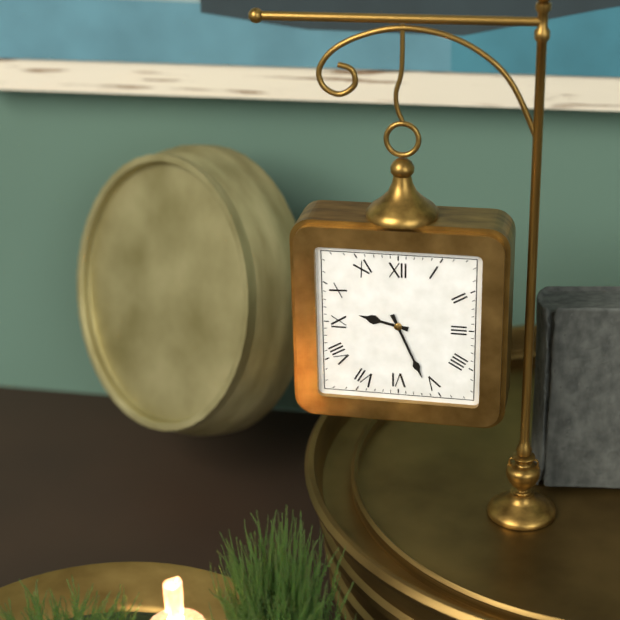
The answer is 9:26
